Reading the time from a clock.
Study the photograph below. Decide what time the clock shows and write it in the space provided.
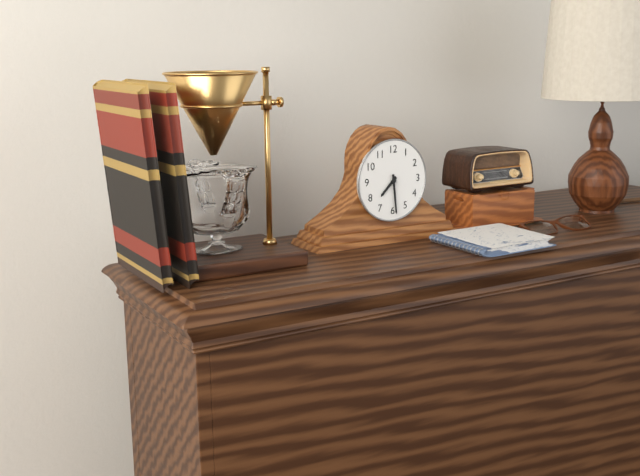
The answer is 7:29
